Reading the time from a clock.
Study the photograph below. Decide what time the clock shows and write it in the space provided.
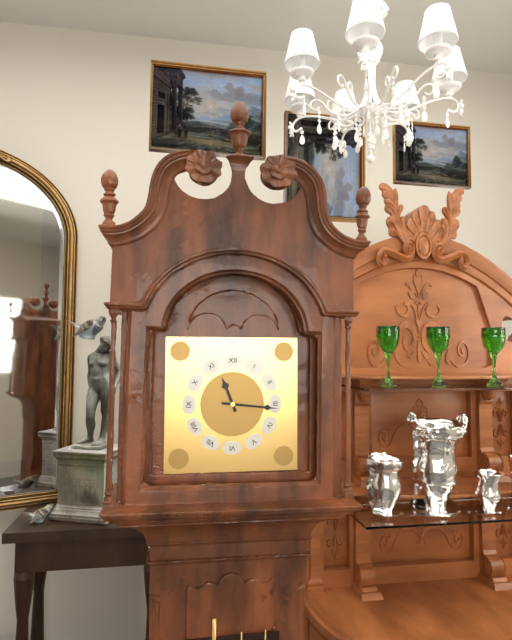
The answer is 11:16
